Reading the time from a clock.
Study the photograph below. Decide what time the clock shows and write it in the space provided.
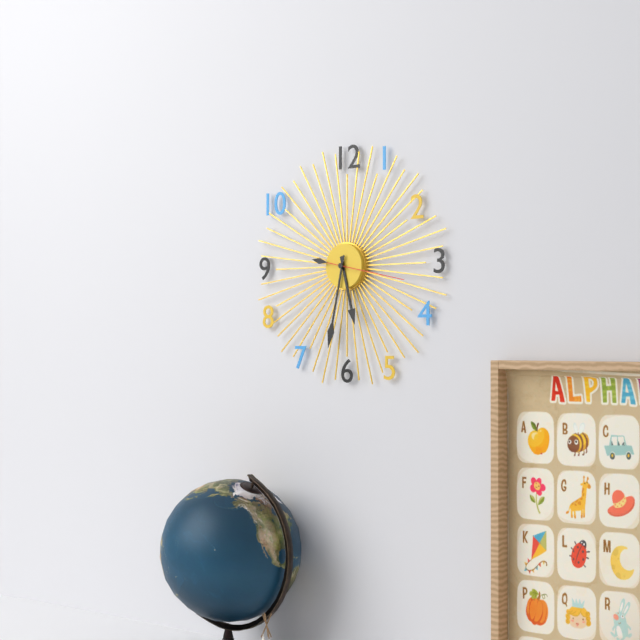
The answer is 5:32:17
